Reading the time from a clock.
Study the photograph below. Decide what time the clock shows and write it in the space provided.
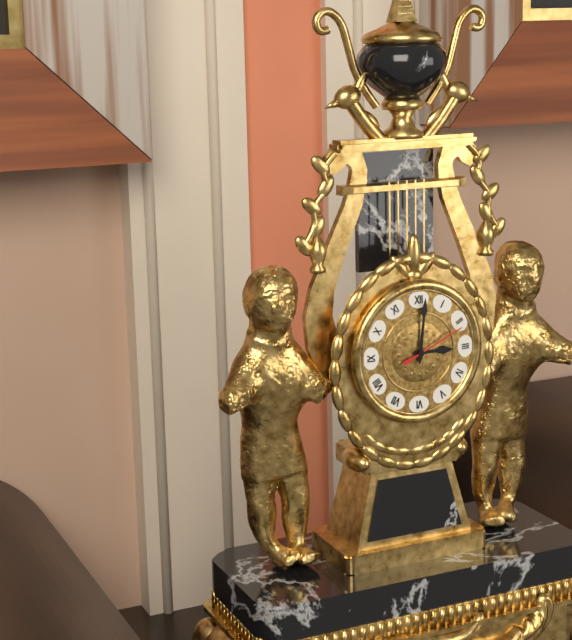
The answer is 3:01:11
